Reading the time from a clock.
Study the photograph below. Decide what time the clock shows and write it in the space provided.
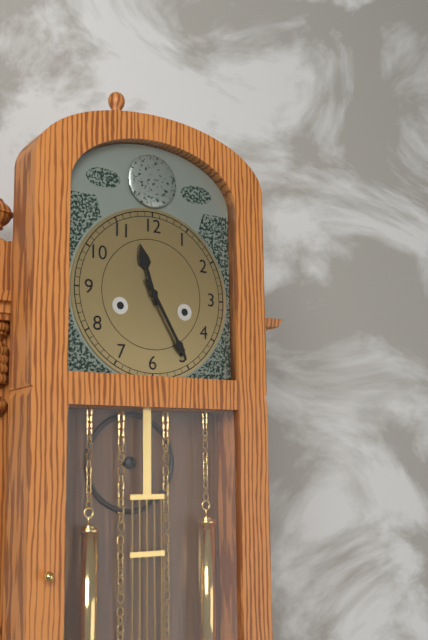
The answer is 11:25
